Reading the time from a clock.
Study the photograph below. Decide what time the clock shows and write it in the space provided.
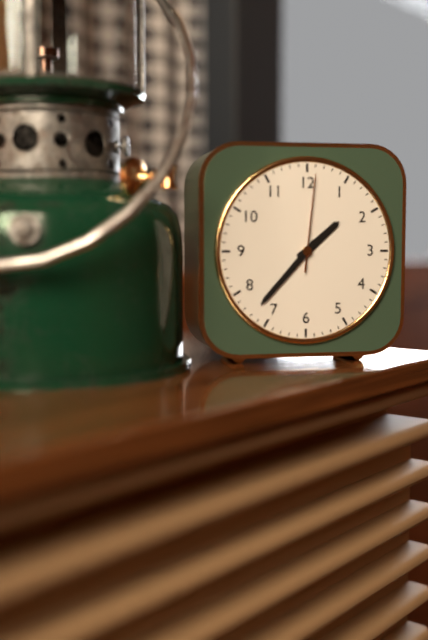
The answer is 1:37:01
